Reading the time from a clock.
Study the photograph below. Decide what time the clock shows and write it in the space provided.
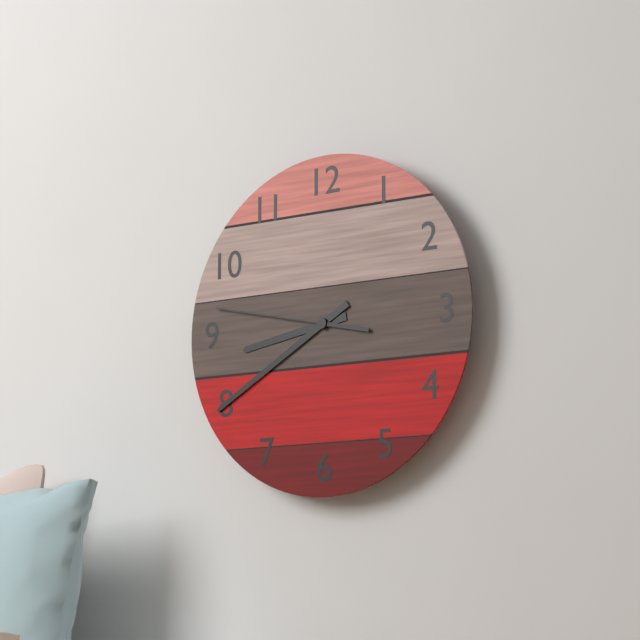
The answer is 8:40:47
